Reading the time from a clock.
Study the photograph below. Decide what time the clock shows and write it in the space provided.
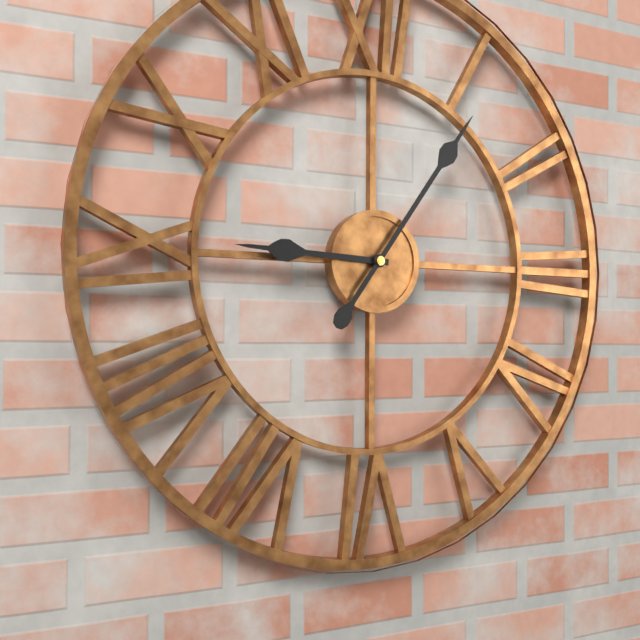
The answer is 9:06
